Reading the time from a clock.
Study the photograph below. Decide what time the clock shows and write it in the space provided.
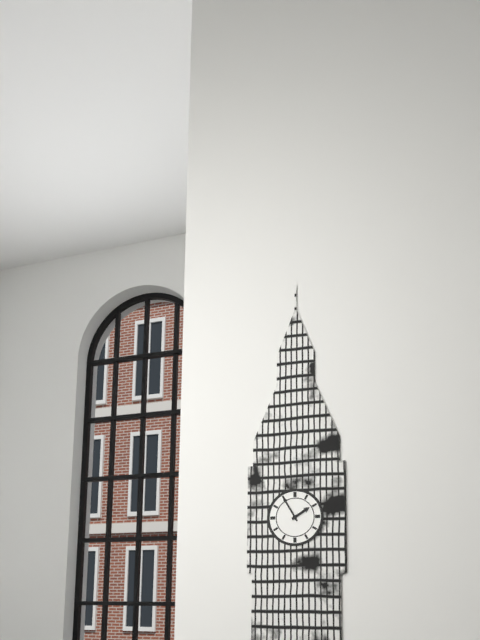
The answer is 1:55
